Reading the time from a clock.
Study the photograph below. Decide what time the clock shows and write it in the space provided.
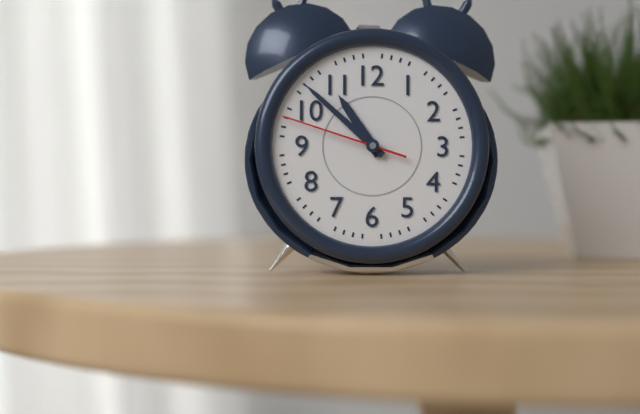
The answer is 10:52:48
